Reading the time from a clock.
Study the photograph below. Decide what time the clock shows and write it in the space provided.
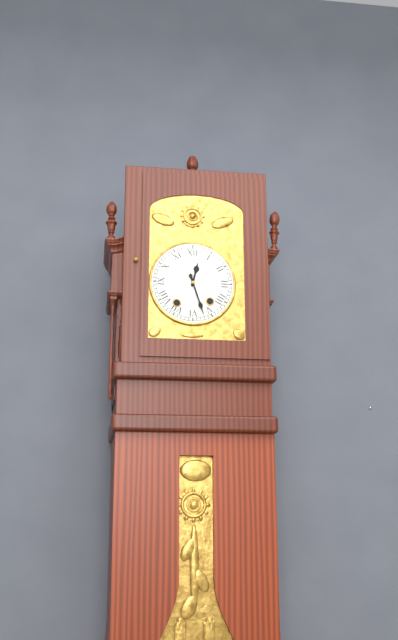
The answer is 12:27
